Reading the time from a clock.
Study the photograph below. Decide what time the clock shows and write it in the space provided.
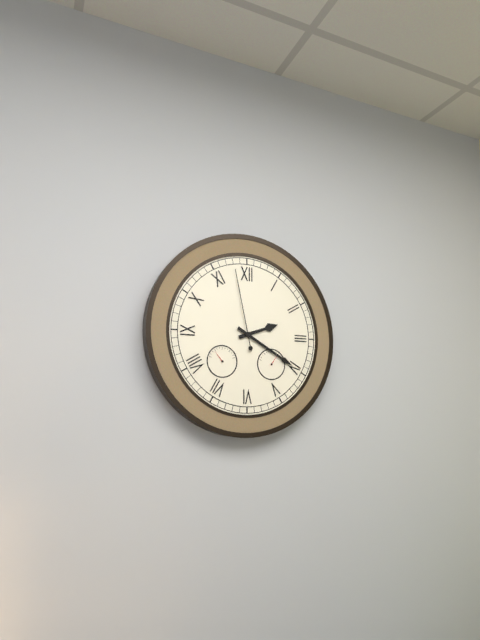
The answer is 2:20:58
